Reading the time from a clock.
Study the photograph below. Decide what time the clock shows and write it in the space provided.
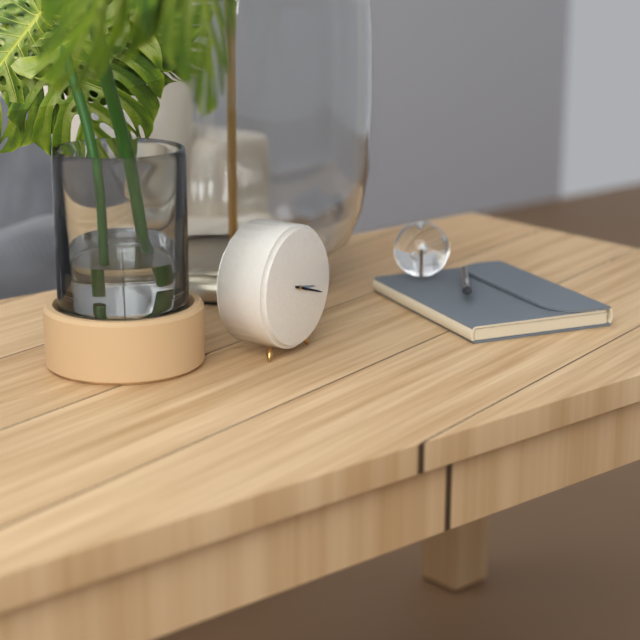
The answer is 3:18
